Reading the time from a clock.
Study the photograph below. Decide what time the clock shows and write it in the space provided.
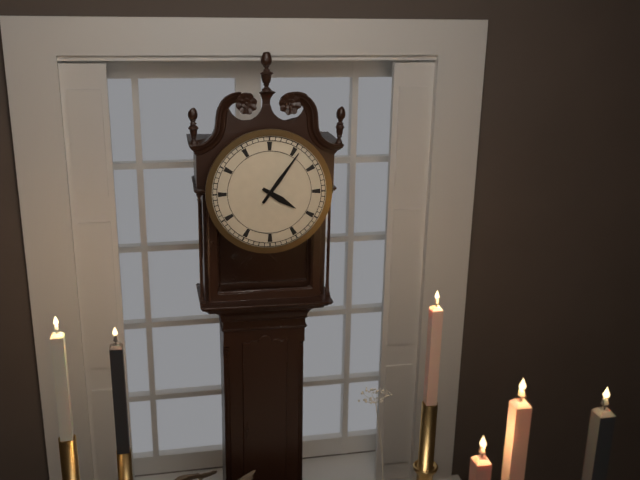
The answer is 4:06
